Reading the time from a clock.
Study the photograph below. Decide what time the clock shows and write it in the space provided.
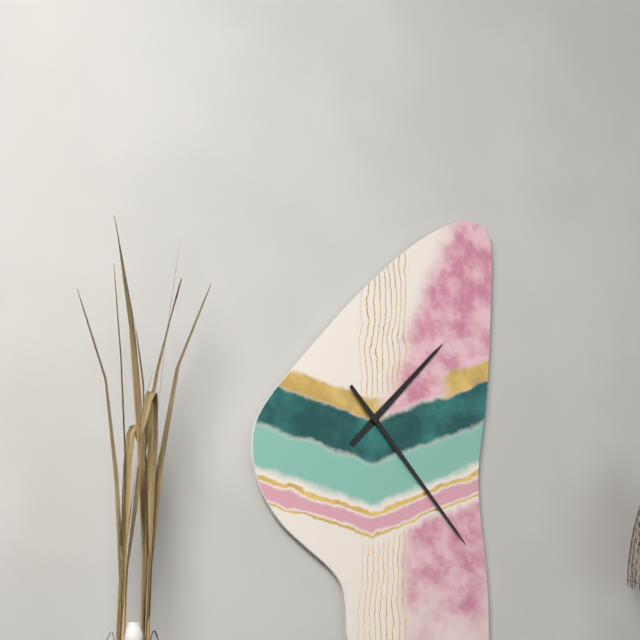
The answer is 1:23
